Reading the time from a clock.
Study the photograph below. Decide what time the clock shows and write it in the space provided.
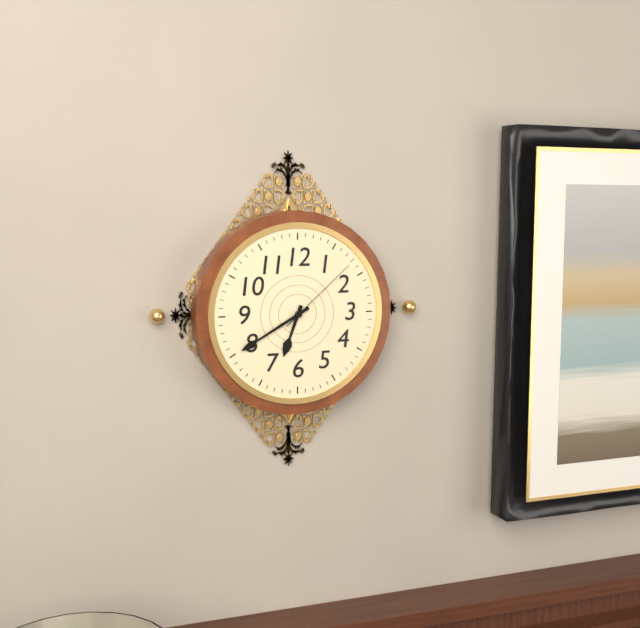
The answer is 6:40:08
